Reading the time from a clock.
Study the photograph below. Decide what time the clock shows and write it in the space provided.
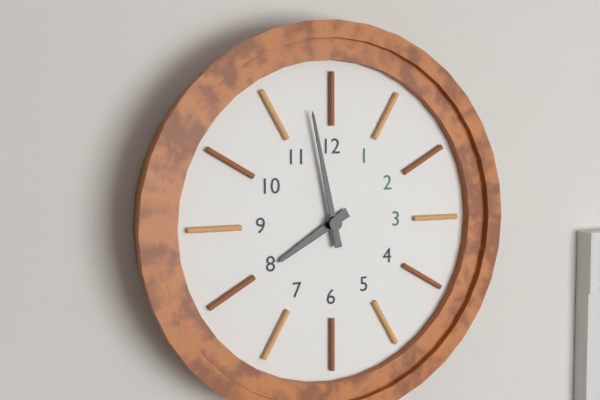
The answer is 7:58
